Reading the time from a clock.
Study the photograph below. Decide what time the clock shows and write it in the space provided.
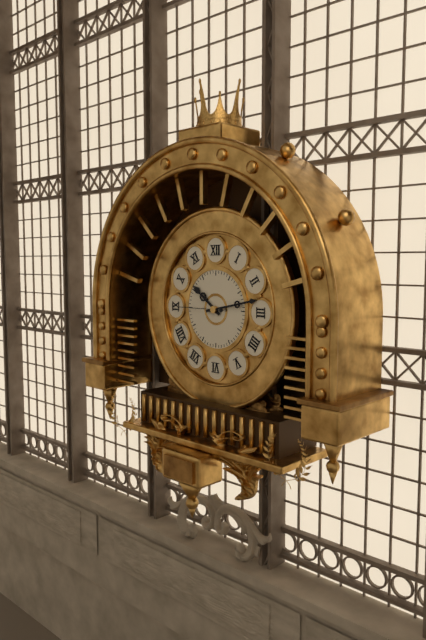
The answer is 10:13
